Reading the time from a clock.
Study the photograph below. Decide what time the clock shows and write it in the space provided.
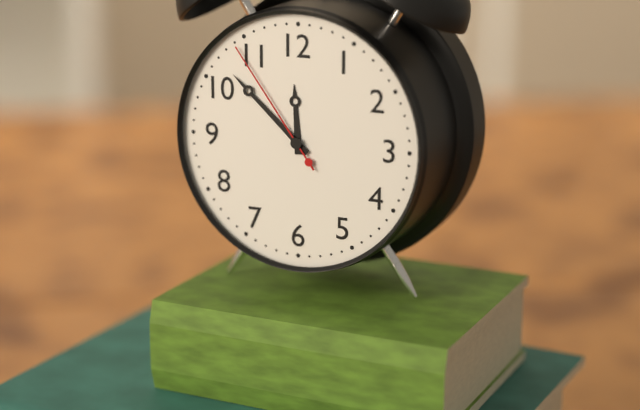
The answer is 11:52:54
